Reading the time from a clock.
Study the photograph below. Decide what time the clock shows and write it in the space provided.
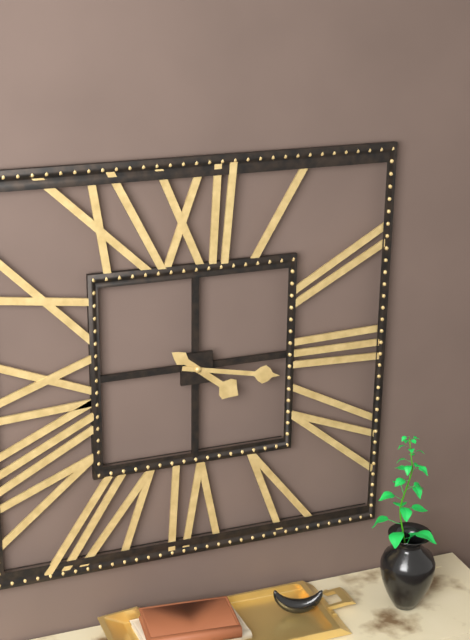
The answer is 4:17
